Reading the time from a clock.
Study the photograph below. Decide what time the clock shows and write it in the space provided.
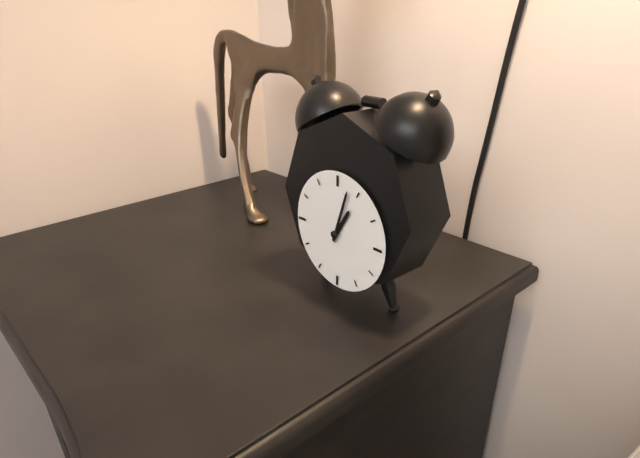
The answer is 1:03
